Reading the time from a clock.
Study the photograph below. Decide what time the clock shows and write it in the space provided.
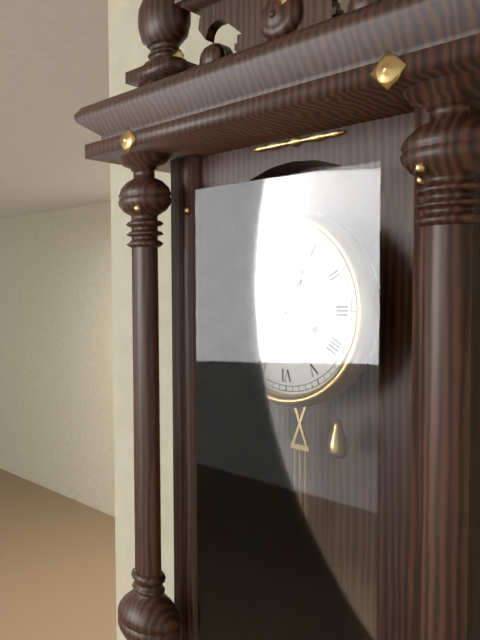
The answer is 12:59
